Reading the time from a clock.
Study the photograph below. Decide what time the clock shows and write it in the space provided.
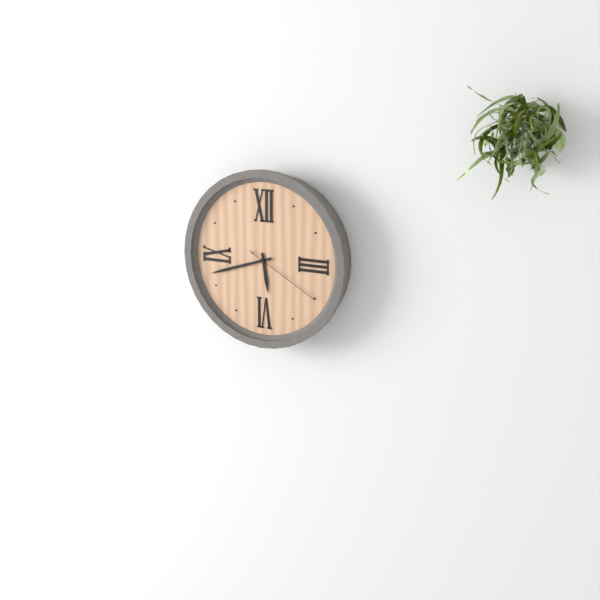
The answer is 5:42:20
